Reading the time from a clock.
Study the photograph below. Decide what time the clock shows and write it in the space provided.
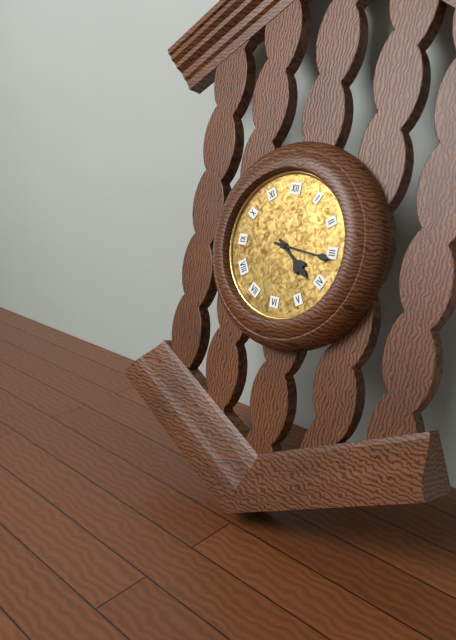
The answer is 4:16
